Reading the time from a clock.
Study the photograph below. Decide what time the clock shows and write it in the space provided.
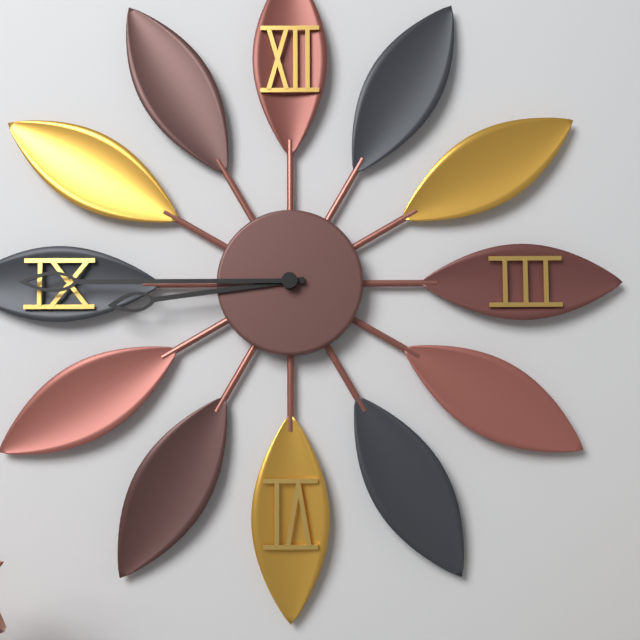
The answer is 8:45
